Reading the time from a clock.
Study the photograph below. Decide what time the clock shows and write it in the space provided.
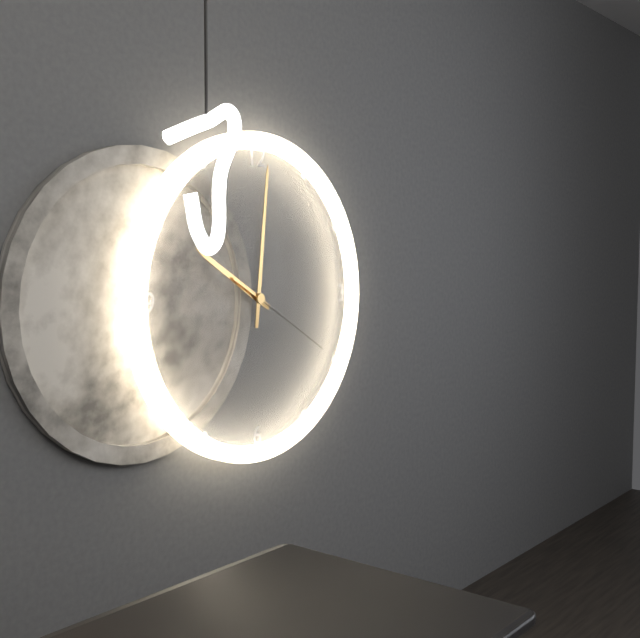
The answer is 10:01:20
